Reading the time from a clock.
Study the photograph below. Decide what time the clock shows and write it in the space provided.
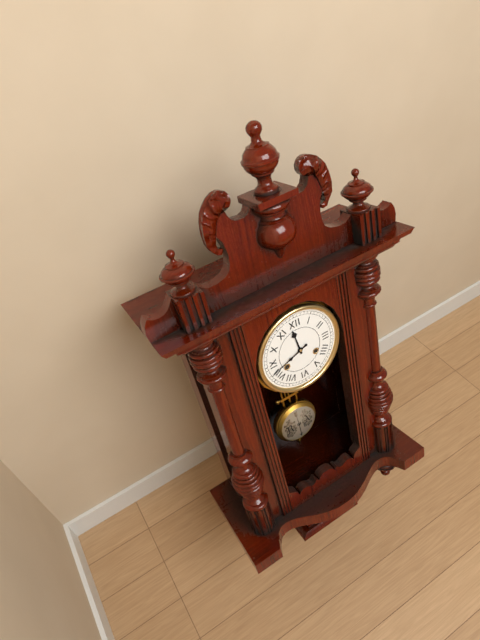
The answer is 11:42
